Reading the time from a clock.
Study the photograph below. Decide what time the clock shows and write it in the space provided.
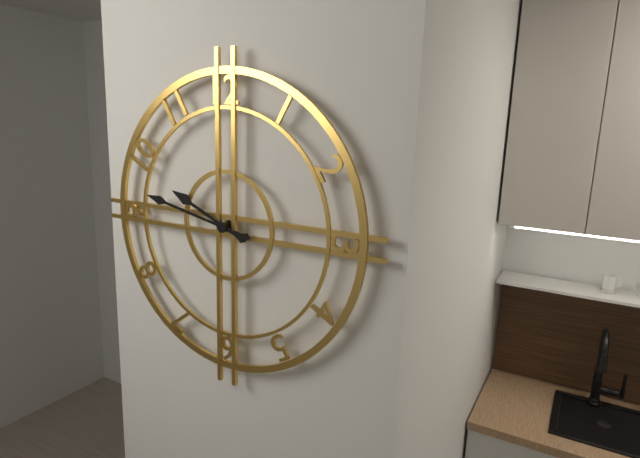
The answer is 9:47
